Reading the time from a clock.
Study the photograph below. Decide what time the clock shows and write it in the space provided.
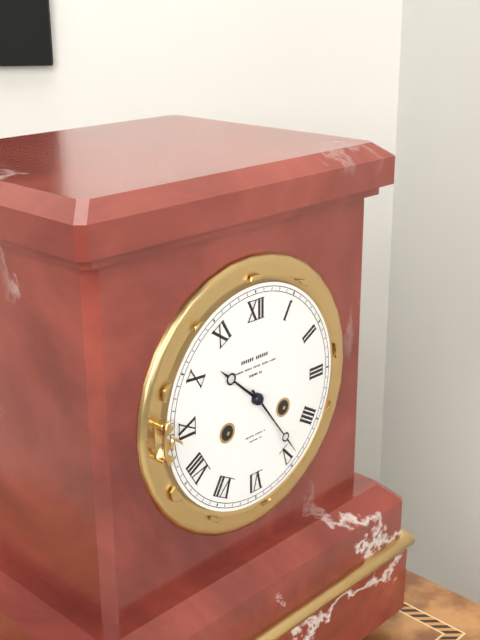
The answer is 10:24
